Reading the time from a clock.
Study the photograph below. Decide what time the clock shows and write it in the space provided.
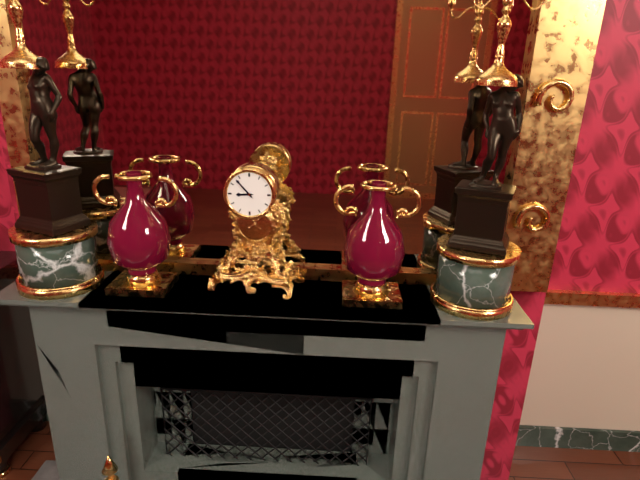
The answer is 8:53
